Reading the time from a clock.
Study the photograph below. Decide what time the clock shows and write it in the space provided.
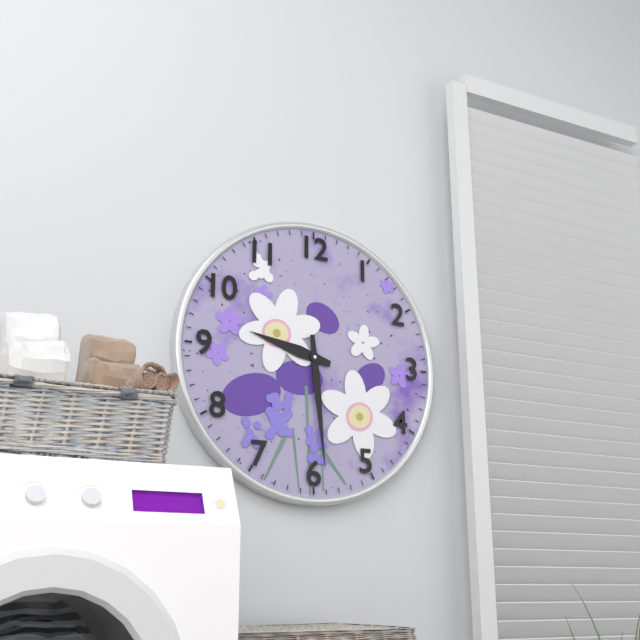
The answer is 9:29
